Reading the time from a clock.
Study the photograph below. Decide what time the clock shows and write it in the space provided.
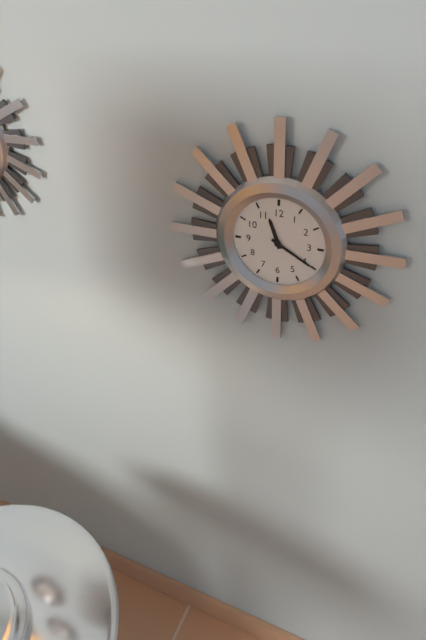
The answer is 11:20
